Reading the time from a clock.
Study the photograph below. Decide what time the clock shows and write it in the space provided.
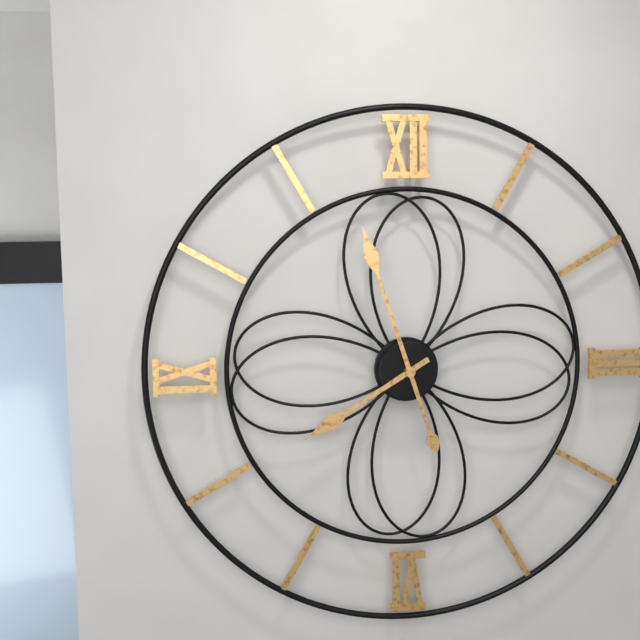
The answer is 7:57
